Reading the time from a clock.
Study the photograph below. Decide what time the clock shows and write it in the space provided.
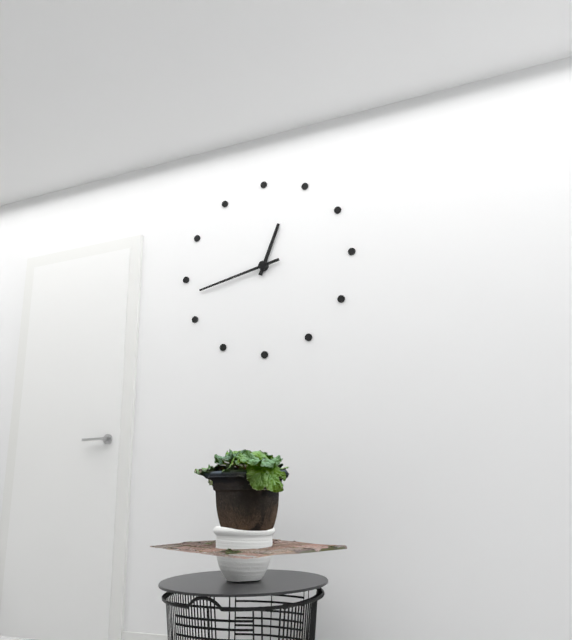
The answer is 12:43
